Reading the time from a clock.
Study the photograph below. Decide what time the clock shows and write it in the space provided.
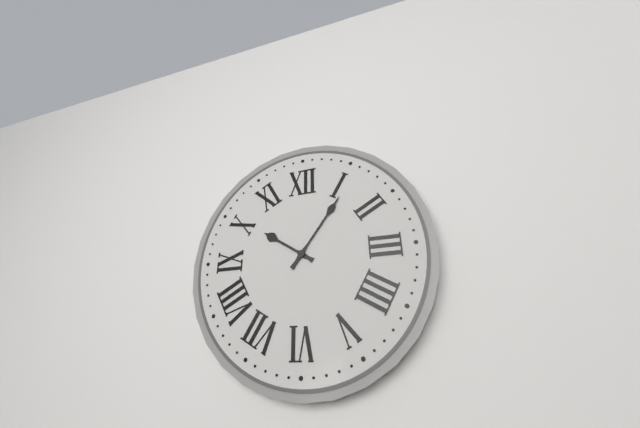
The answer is 10:06
